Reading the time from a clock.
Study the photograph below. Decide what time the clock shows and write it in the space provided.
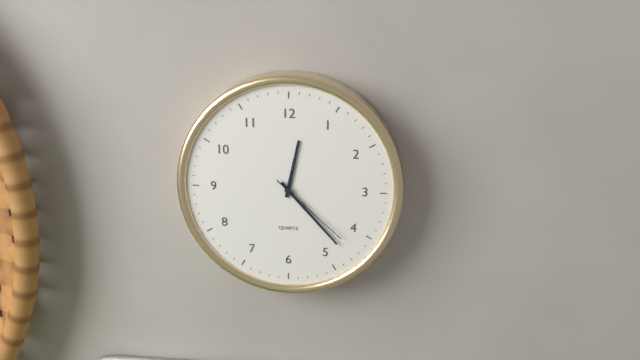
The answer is 12:23:22
